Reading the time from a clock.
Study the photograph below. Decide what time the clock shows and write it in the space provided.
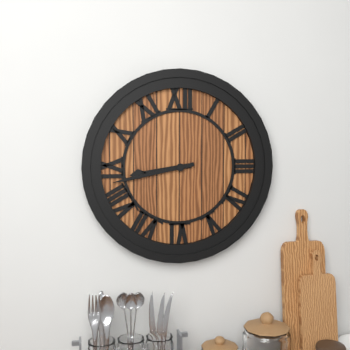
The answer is 8:43
